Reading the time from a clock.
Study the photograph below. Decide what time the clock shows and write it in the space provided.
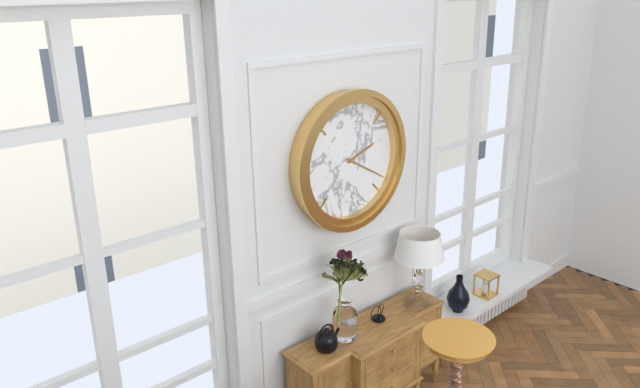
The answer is 2:20
